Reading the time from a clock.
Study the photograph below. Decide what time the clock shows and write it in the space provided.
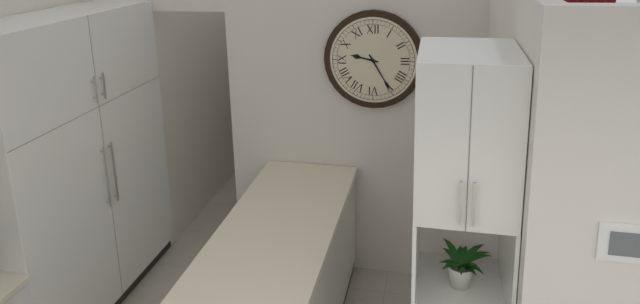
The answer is 9:25
